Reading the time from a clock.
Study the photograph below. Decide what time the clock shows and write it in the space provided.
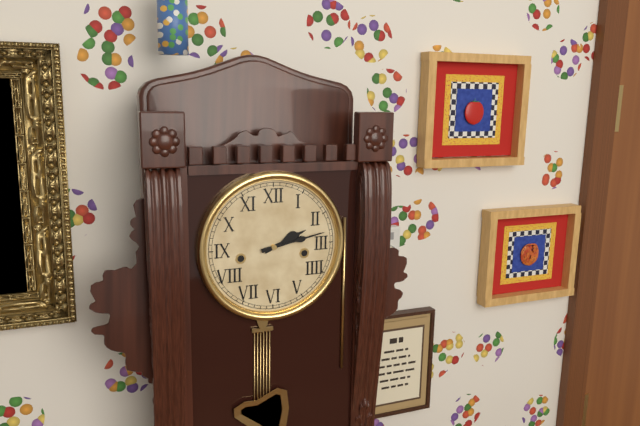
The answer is 2:13
